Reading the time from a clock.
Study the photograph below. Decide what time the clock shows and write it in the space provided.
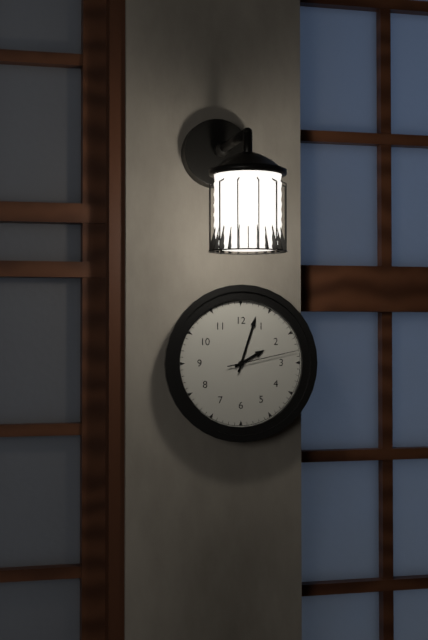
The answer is 2:03:13
